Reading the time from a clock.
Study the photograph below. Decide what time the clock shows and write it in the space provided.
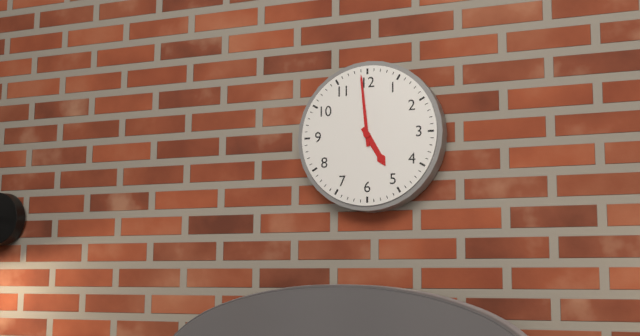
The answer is 4:59
